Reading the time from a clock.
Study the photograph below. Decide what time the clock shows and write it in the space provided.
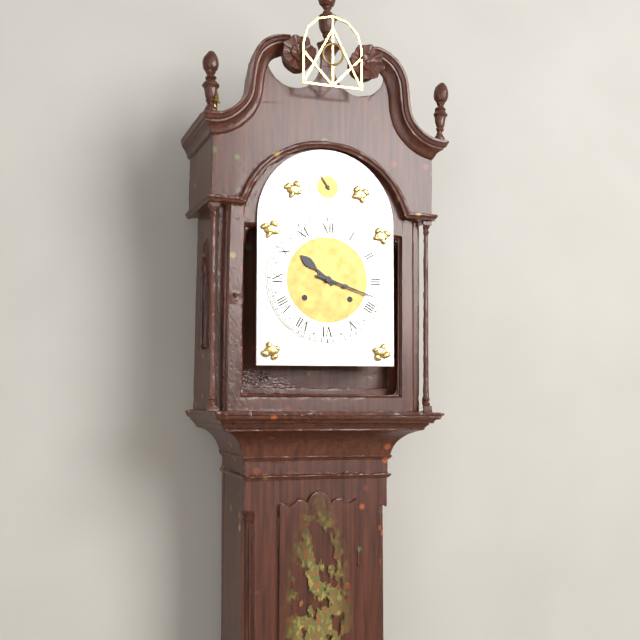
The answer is 10:18
